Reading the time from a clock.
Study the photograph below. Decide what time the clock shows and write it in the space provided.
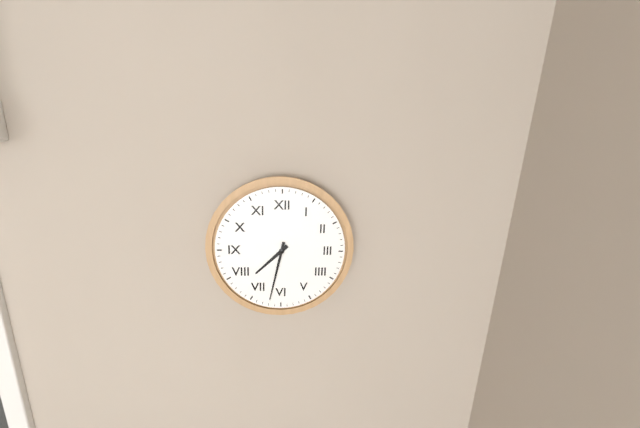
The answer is 7:32
